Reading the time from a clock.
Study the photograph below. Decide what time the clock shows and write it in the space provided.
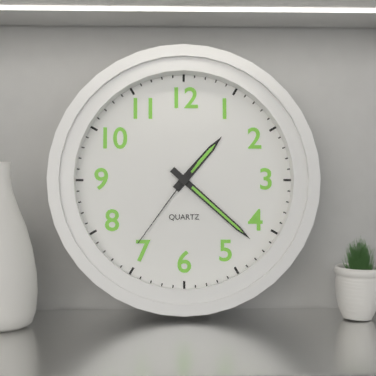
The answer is 1:22:36
